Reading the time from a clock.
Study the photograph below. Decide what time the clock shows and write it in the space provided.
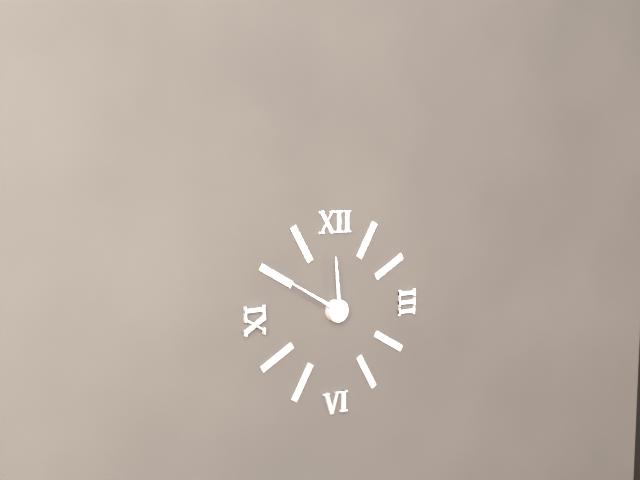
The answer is 11:50
